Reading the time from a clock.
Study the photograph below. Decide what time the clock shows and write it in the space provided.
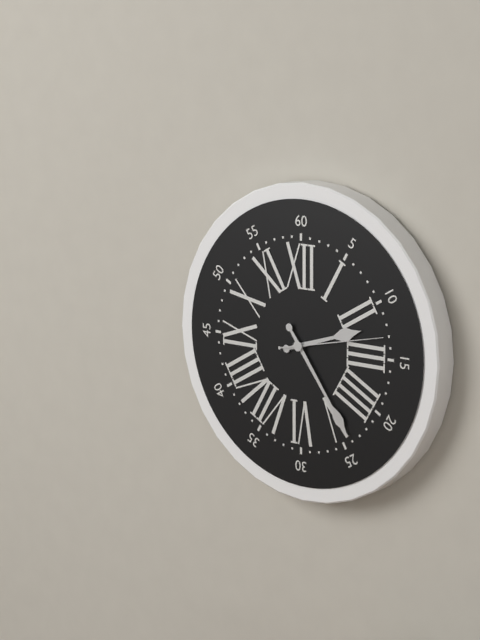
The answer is 2:24:13
